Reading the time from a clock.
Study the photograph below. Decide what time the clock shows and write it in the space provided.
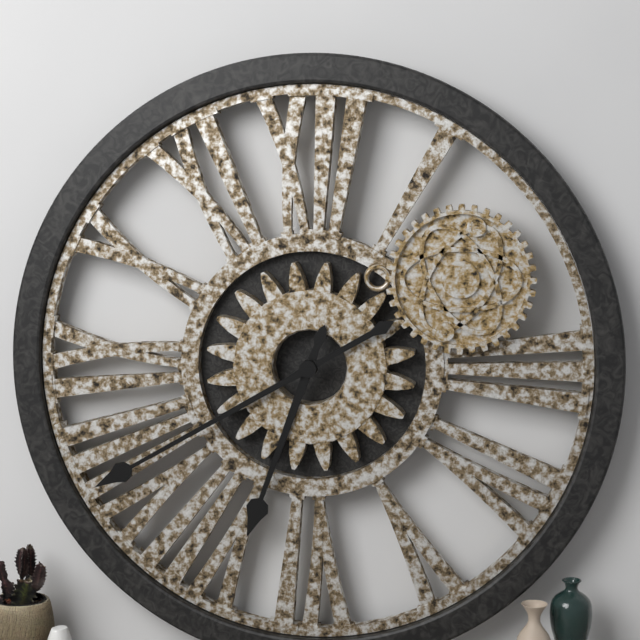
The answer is 6:40
